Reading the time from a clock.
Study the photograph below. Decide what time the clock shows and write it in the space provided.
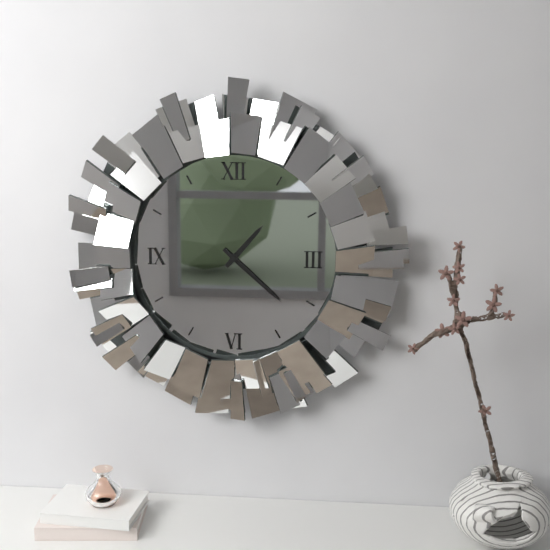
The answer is 1:22
